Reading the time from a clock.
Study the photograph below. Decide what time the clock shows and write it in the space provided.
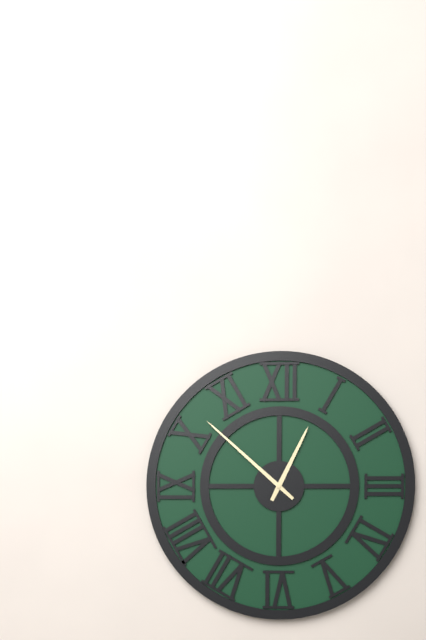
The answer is 12:52
